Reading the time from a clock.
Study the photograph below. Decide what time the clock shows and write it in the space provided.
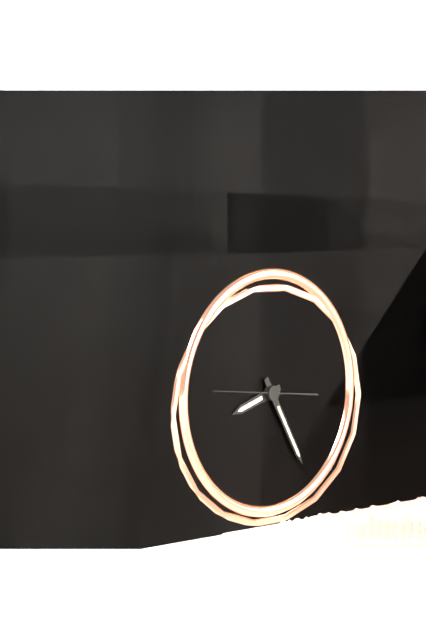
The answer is 8:25:46
